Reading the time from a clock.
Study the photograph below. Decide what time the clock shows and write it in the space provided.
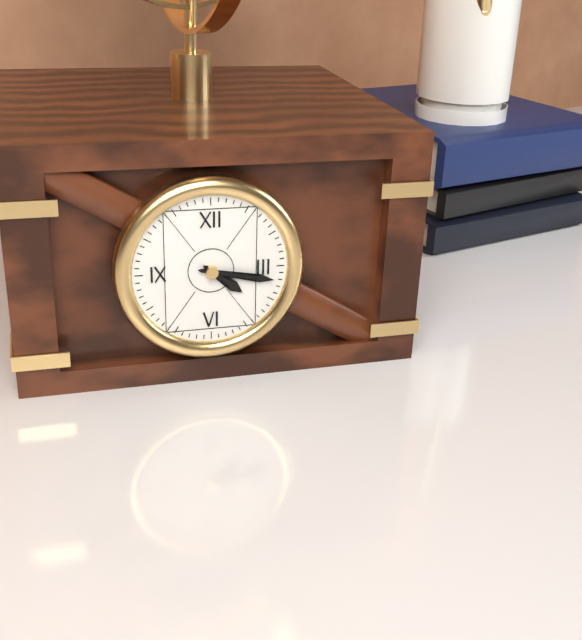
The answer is 4:17
